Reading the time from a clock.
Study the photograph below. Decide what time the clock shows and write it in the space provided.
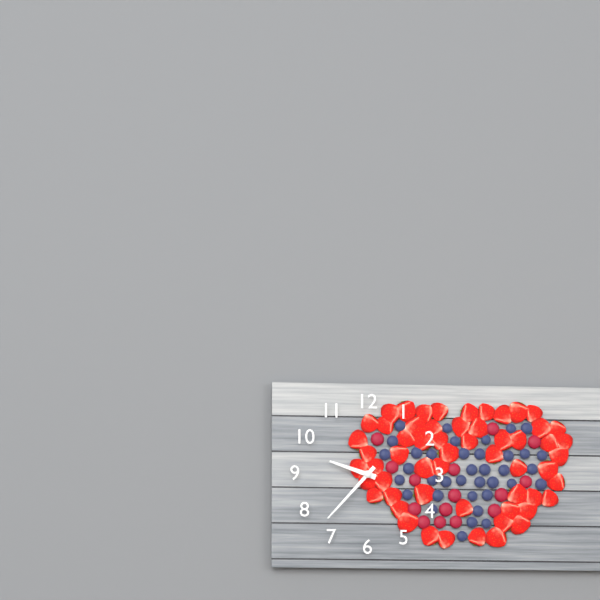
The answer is 9:37
